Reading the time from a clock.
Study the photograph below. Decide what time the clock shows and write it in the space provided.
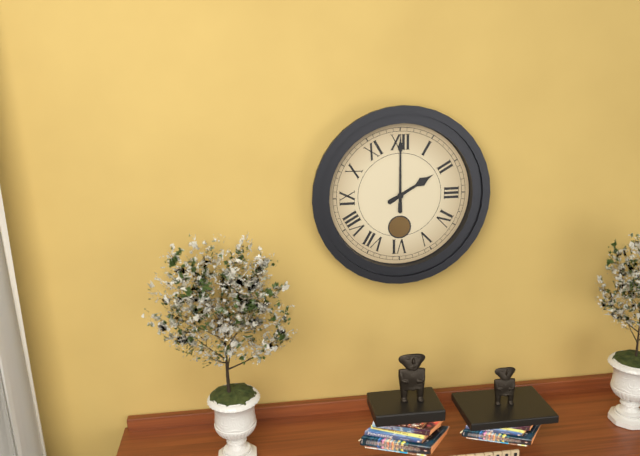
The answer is 2:00
